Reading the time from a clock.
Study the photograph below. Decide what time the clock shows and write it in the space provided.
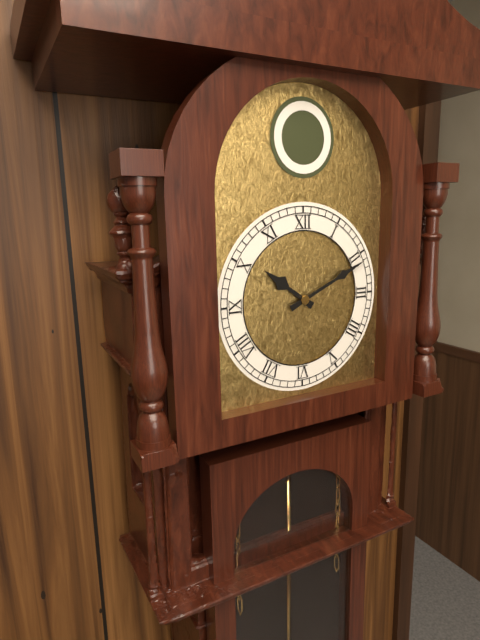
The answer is 10:11
